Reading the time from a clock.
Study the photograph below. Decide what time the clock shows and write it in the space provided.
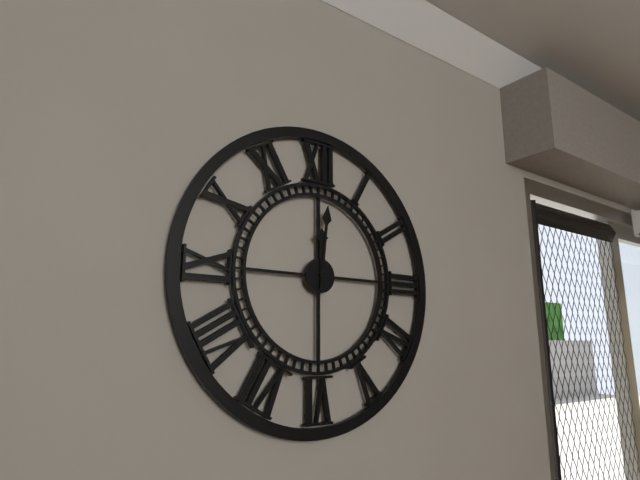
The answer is 12:01
